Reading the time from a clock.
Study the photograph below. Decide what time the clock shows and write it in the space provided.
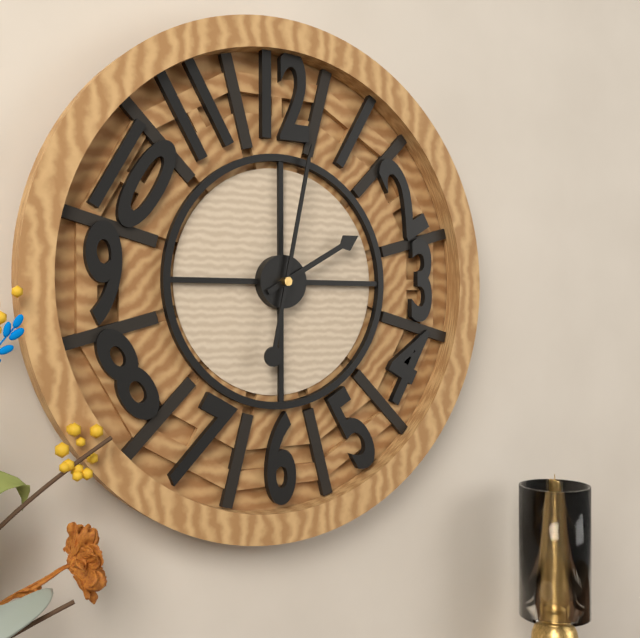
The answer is 2:02
